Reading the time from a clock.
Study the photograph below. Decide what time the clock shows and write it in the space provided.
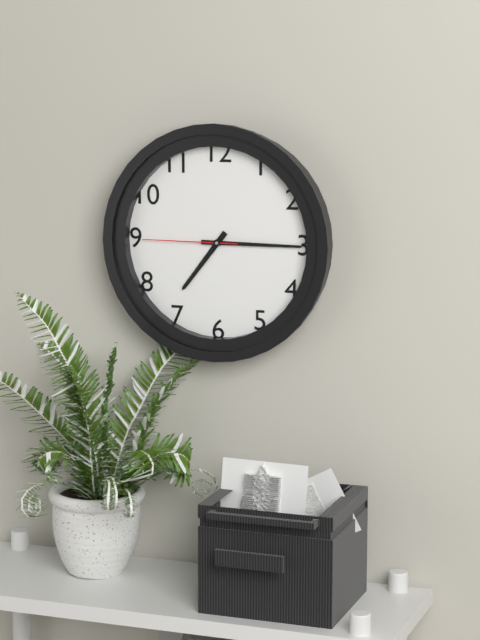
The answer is 7:15:45
